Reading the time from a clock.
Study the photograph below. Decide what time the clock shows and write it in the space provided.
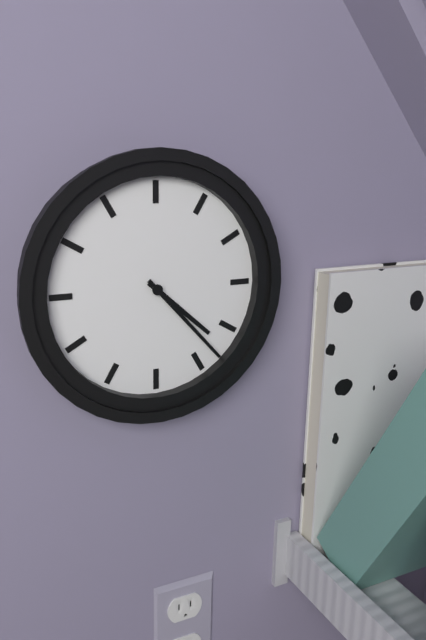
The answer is 4:23
